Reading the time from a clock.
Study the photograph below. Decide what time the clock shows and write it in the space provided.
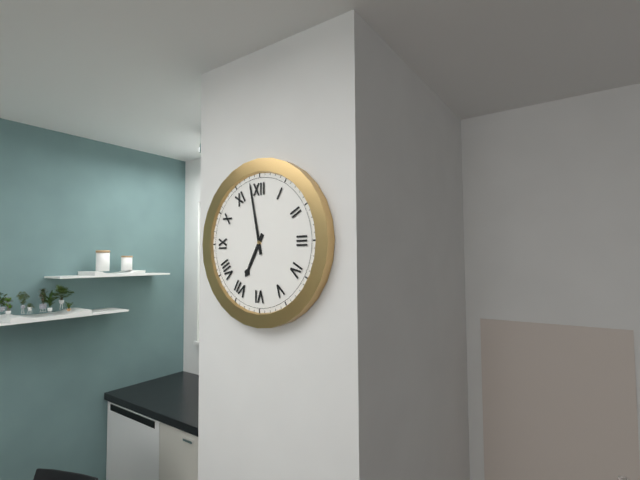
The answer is 6:58
